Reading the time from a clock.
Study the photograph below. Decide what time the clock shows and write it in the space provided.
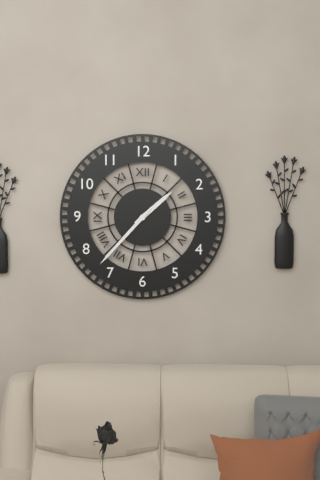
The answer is 1:37
